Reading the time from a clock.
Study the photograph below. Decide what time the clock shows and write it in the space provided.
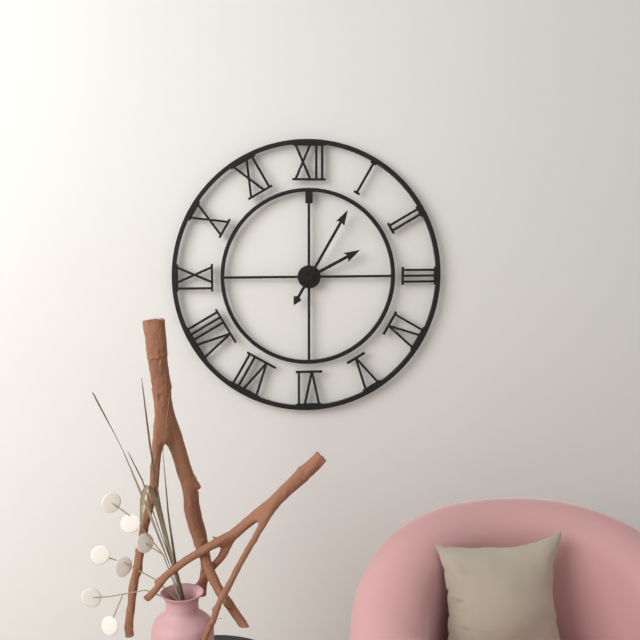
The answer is 2:05
